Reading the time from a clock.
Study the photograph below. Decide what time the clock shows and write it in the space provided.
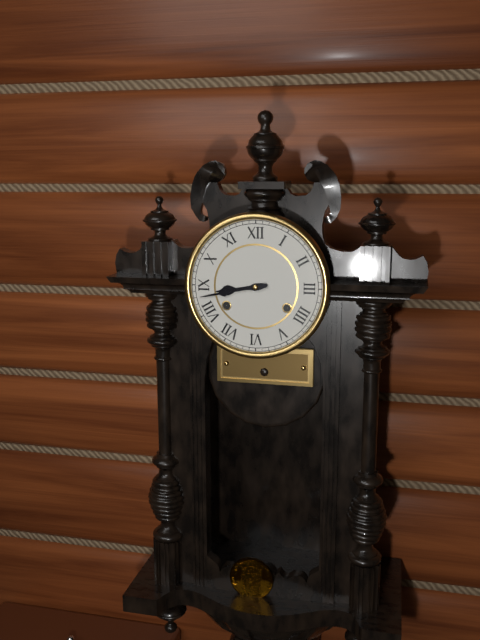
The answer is 8:43
